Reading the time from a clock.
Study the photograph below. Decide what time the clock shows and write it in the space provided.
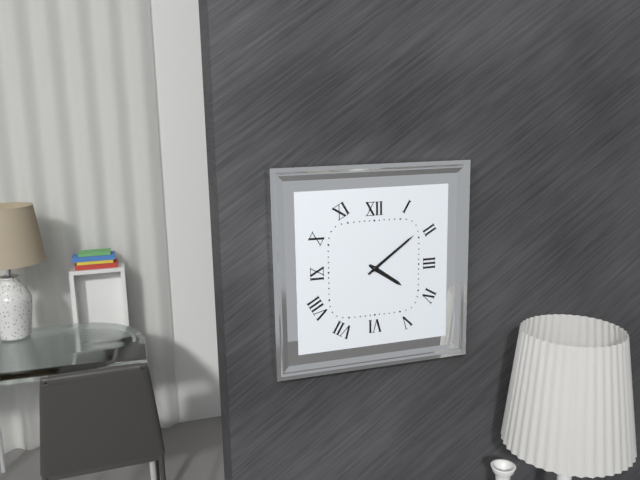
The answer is 4:09
